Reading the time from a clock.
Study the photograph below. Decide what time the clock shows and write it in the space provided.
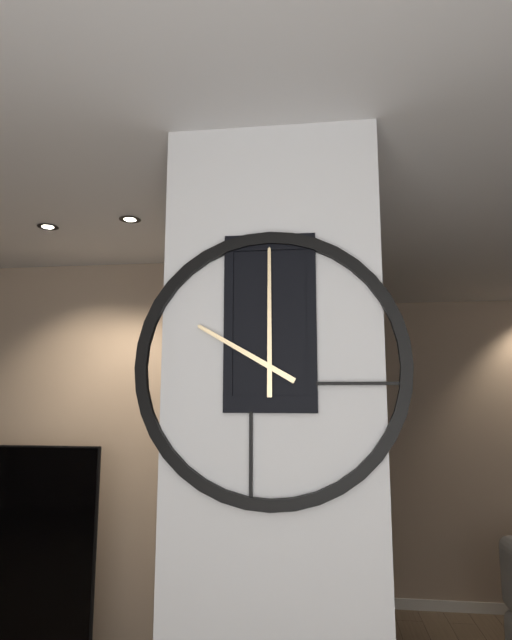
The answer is 10:00
